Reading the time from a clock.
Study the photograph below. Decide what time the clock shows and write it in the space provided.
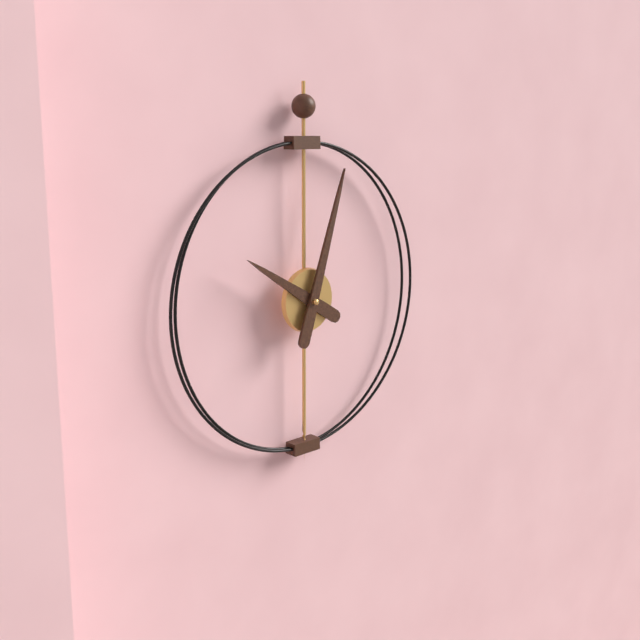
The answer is 10:03
